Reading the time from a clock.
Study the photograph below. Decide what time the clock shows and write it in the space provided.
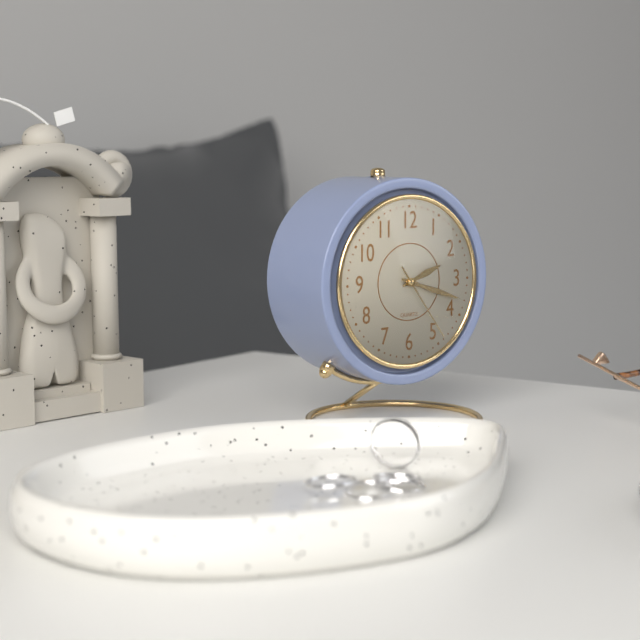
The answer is 2:18:24
